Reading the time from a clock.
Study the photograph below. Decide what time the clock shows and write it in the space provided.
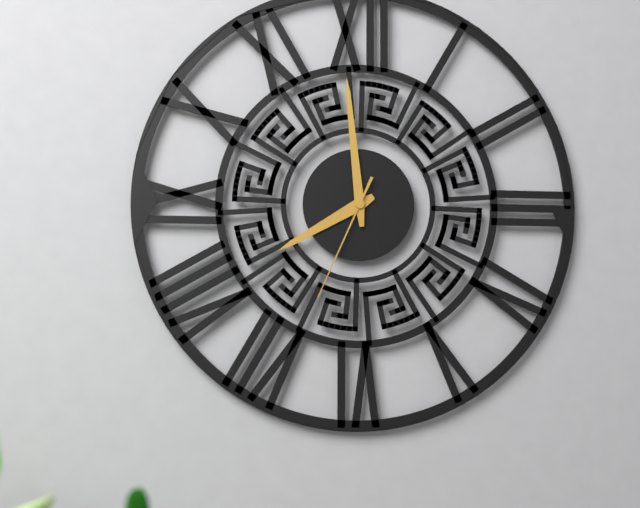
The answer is 7:59:34
